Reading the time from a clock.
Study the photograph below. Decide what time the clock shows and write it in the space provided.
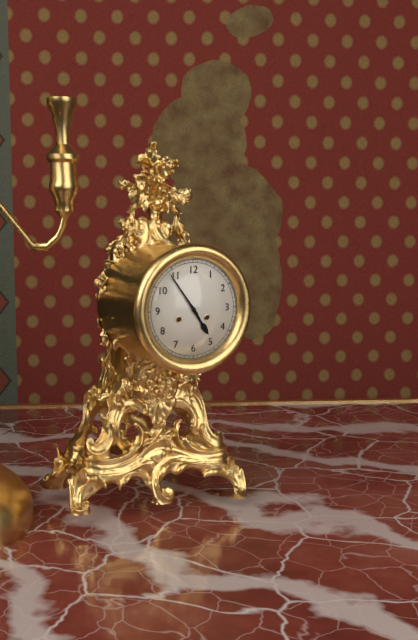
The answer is 4:54
